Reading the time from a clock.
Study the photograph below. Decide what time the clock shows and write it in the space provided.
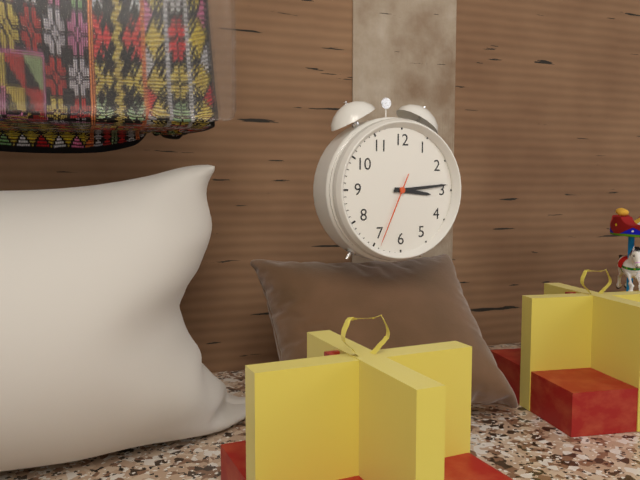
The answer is 3:14:34
